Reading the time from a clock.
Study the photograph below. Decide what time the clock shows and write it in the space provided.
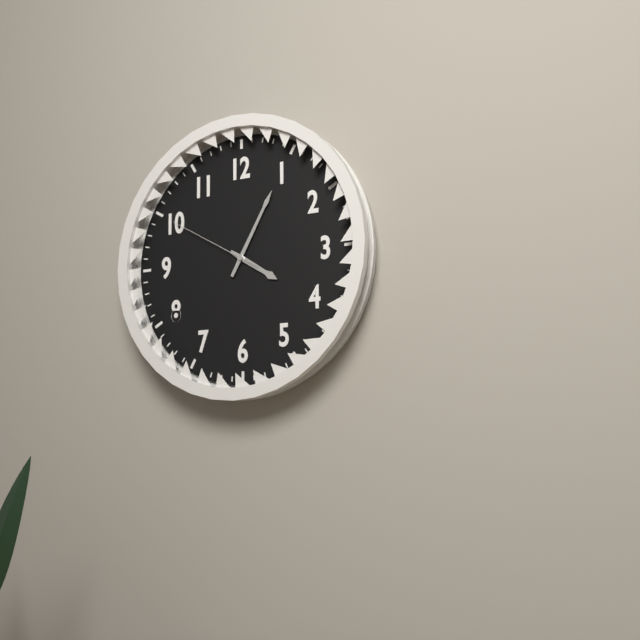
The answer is 4:05:50
